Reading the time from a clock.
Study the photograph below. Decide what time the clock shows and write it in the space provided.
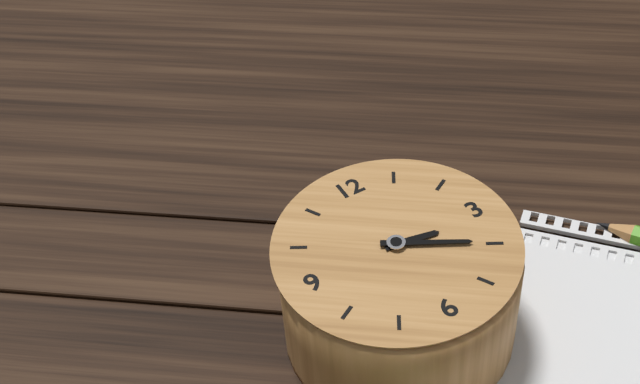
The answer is 3:20
